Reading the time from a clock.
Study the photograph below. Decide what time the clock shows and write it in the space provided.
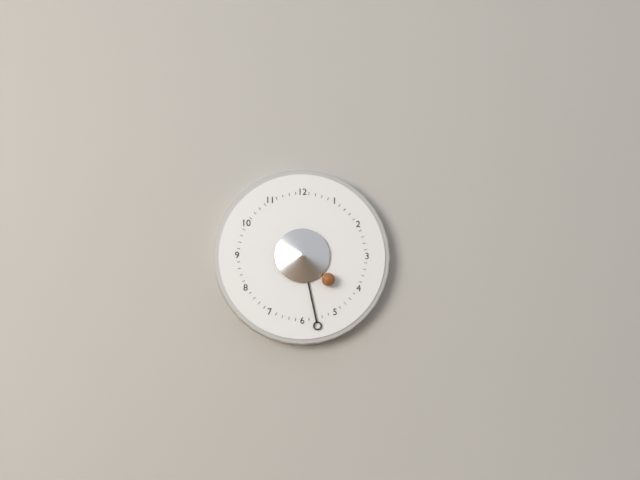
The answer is 4:28
